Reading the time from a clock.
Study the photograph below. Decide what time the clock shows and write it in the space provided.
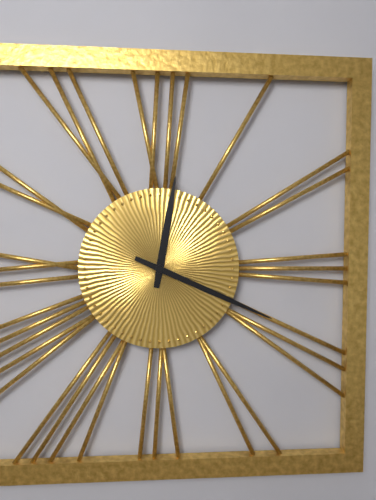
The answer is 12:19
